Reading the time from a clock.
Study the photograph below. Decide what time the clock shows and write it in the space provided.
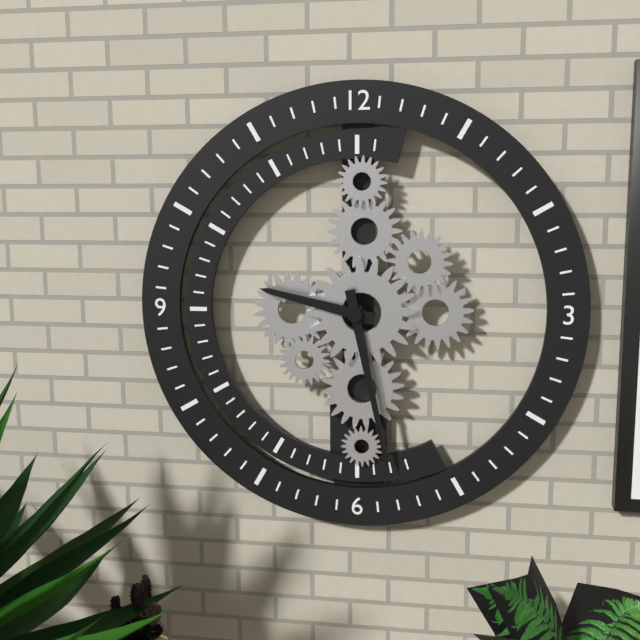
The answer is 9:28
